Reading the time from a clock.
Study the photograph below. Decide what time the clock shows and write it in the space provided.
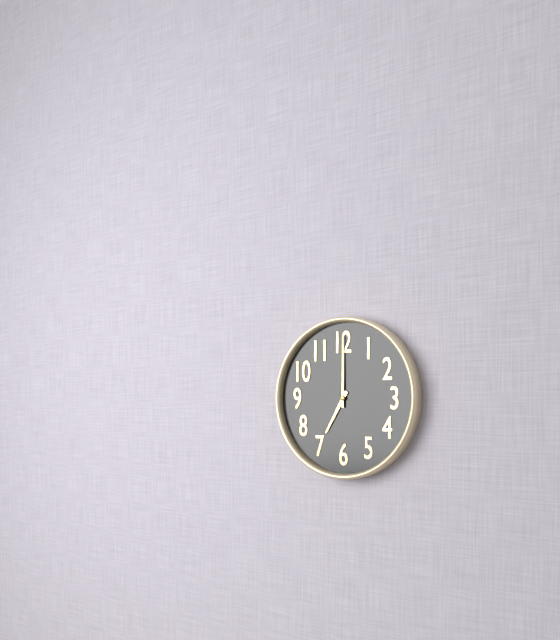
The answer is 7:00
